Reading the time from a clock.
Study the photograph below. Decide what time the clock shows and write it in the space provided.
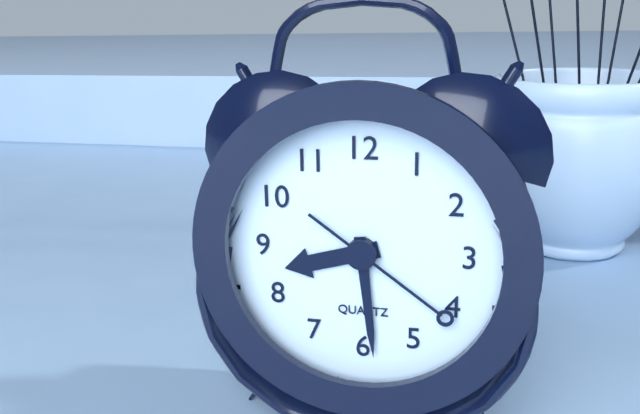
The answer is 8:29:21
